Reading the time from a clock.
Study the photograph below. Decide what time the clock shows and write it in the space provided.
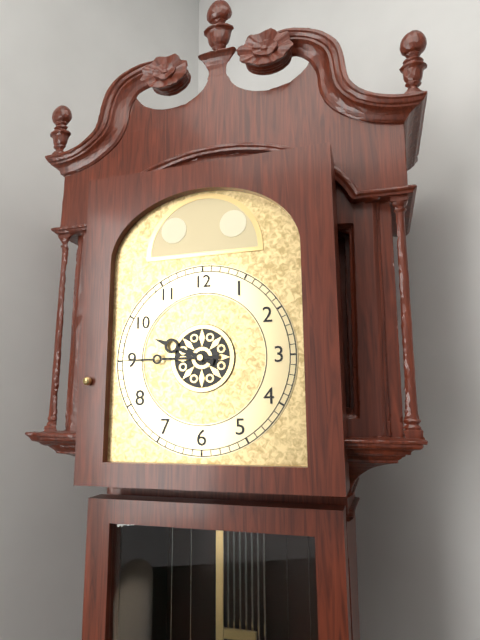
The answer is 9:45
